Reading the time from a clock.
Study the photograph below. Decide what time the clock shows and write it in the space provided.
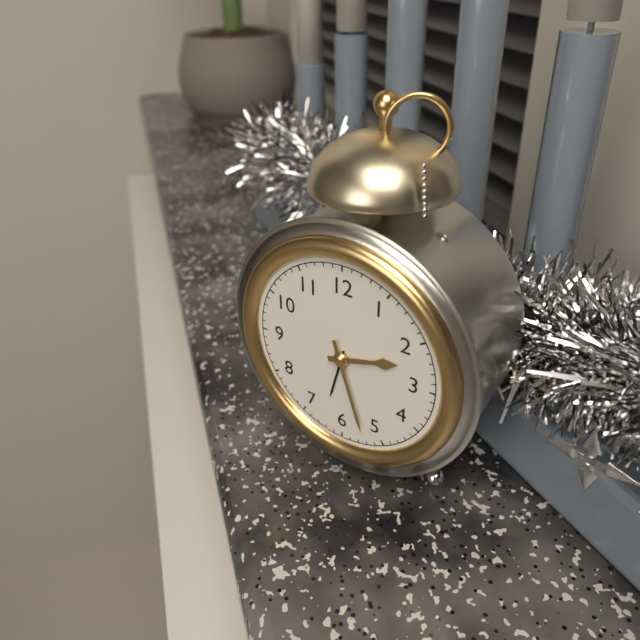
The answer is 2:27
